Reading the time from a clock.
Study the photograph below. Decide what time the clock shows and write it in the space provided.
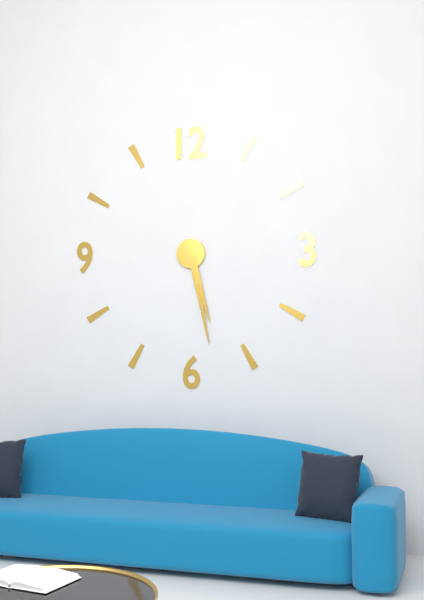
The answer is 5:28
